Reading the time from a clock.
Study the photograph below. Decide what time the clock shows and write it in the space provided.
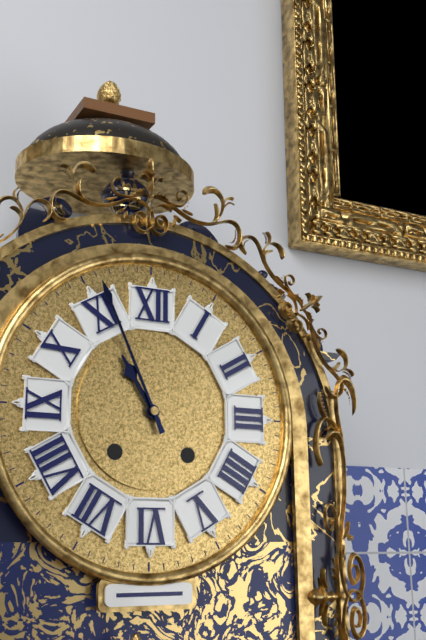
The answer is 10:56
